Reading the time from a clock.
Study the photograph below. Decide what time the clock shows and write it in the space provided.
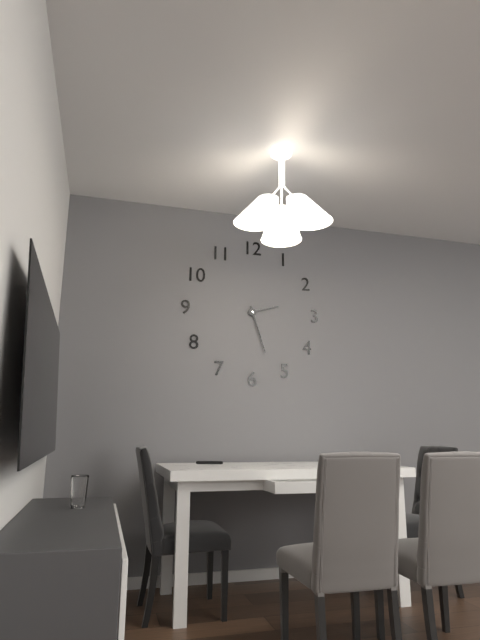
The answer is 2:27
